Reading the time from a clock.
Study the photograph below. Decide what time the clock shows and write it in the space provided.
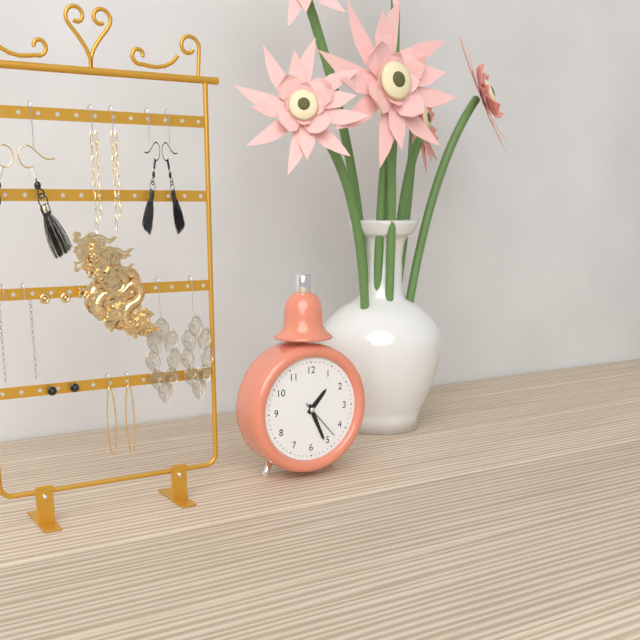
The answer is 1:26
